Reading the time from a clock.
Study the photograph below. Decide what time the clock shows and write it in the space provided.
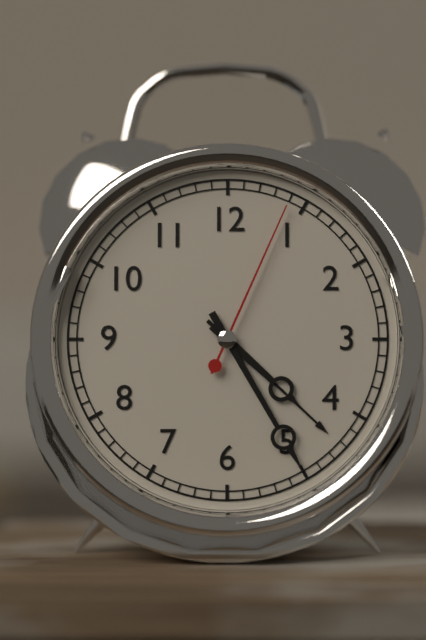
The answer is 4:25:04
